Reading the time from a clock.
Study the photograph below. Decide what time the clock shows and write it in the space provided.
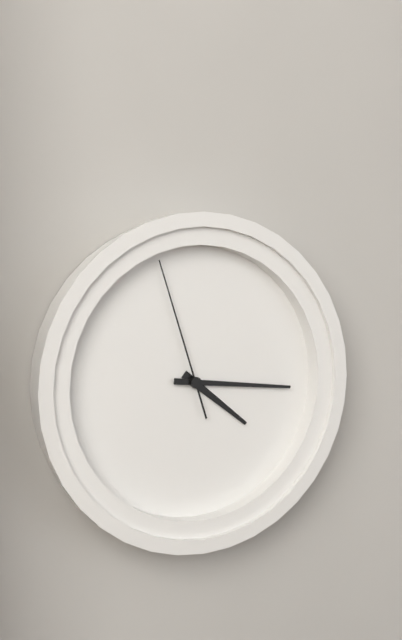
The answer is 4:16:57
